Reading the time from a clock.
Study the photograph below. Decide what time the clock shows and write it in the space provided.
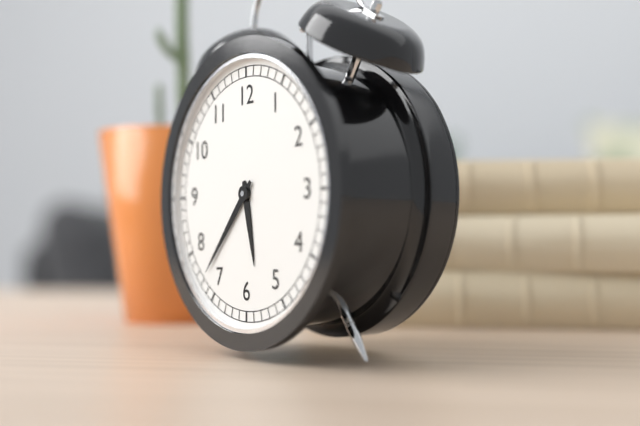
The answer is 5:37
